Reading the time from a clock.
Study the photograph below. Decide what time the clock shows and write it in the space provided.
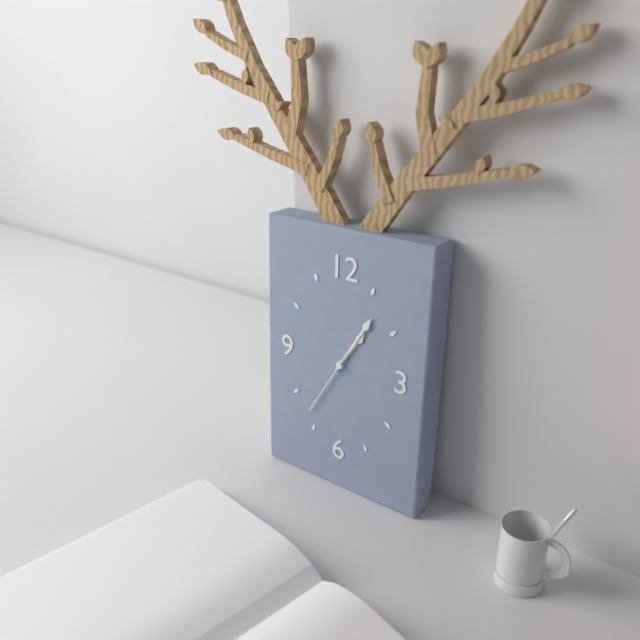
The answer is 1:05:35
